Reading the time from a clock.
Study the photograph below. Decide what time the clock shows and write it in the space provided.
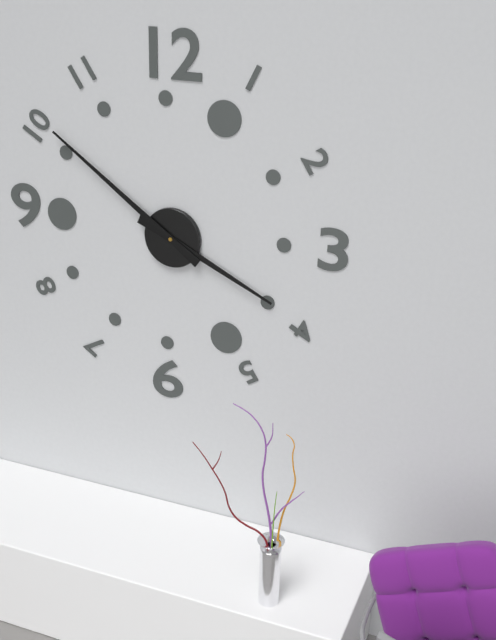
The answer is 3:51
